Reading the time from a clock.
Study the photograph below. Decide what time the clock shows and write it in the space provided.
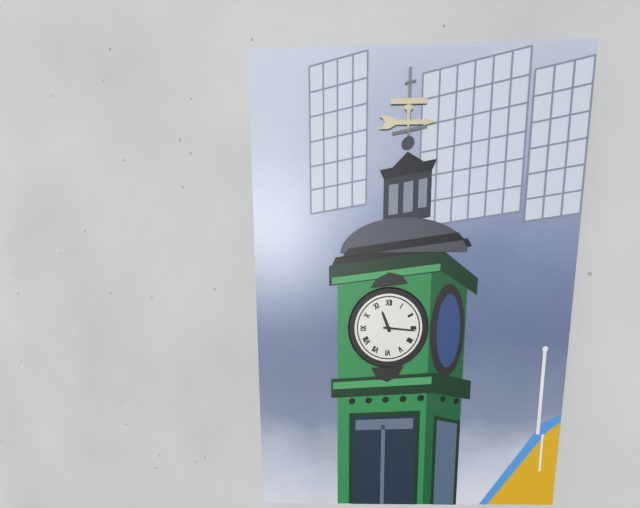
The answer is 11:16
